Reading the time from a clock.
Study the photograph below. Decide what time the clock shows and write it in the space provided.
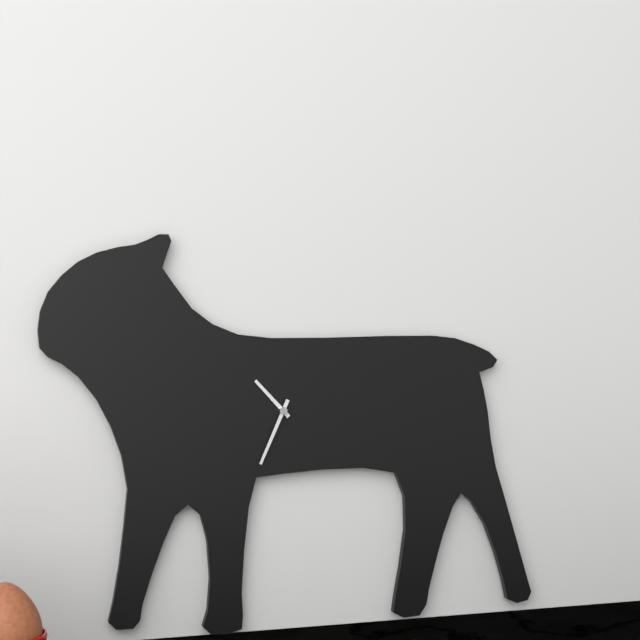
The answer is 10:34
